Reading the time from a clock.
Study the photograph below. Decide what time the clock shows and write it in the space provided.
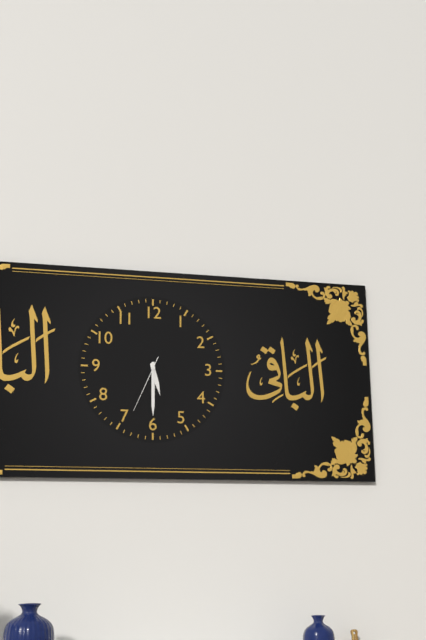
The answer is 5:30:34
